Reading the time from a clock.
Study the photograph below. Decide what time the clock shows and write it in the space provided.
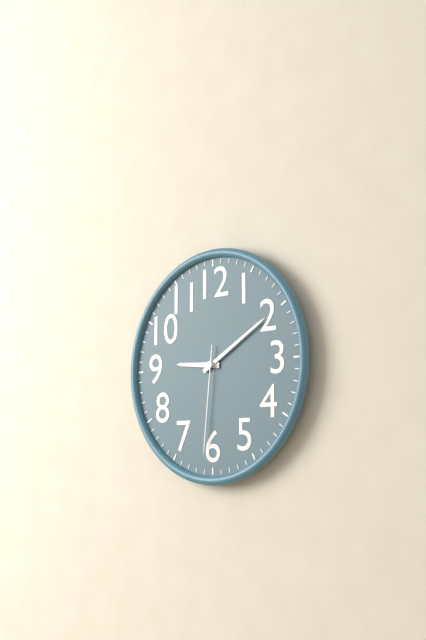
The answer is 9:10:31
